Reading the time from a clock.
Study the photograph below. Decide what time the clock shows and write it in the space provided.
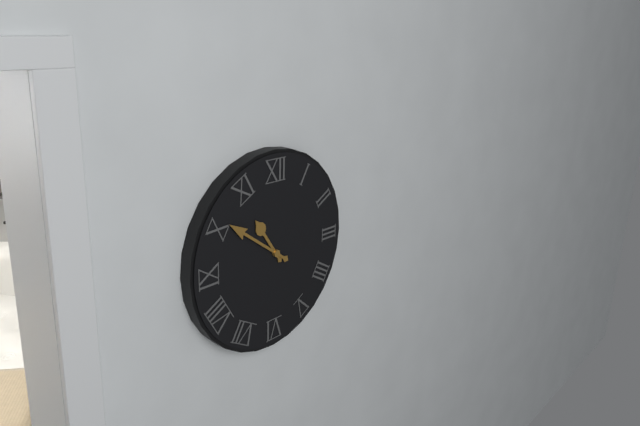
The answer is 10:51
